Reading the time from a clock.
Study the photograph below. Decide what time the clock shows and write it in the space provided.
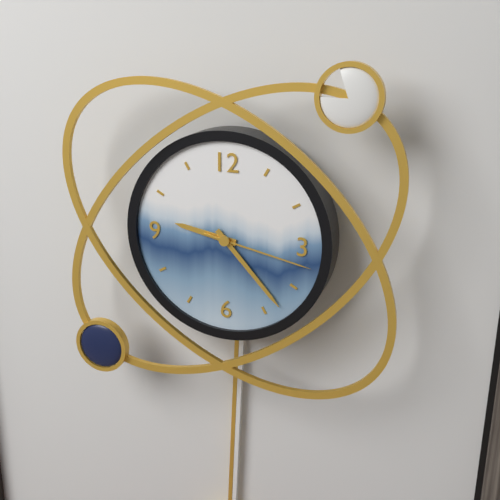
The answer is 9:23:17
